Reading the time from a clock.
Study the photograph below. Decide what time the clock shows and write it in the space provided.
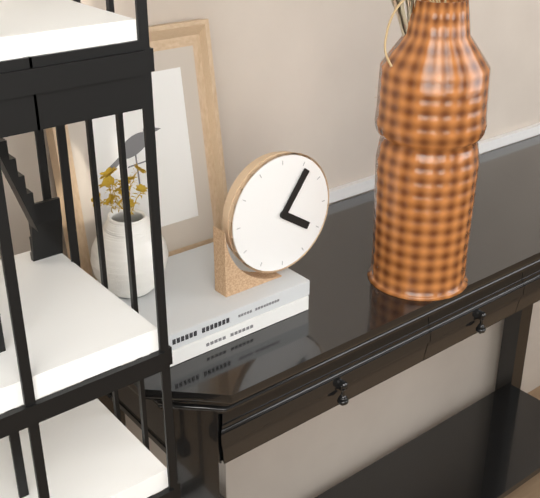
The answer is 4:06
